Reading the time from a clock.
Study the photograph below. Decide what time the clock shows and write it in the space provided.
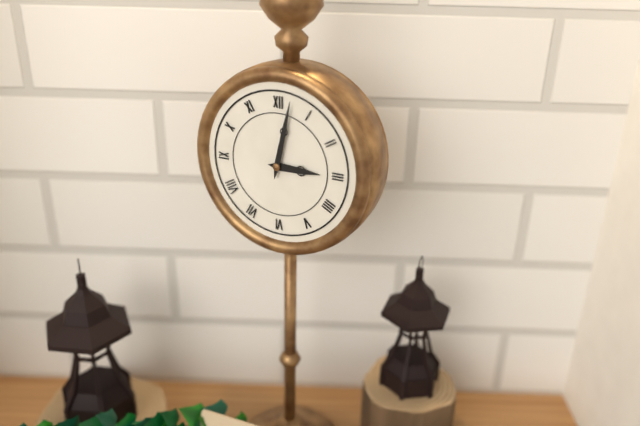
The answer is 3:02
